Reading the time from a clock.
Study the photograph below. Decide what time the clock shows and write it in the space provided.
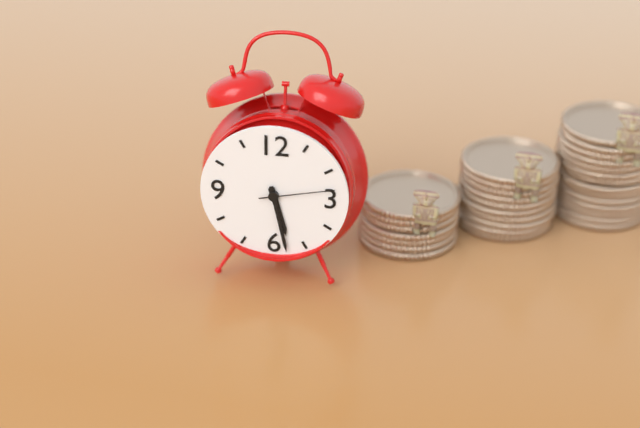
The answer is 5:28:13
